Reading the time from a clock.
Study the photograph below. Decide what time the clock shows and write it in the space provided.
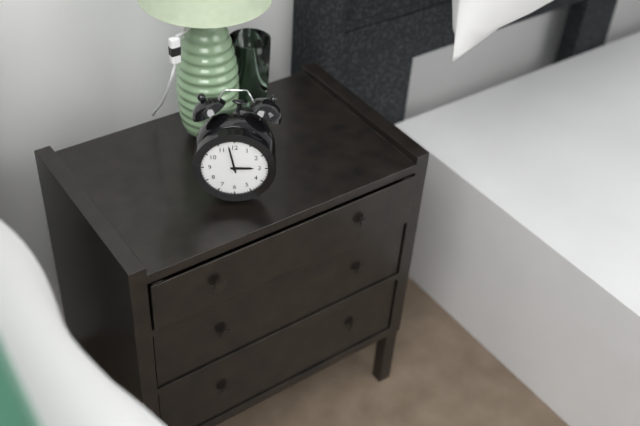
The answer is 2:58
